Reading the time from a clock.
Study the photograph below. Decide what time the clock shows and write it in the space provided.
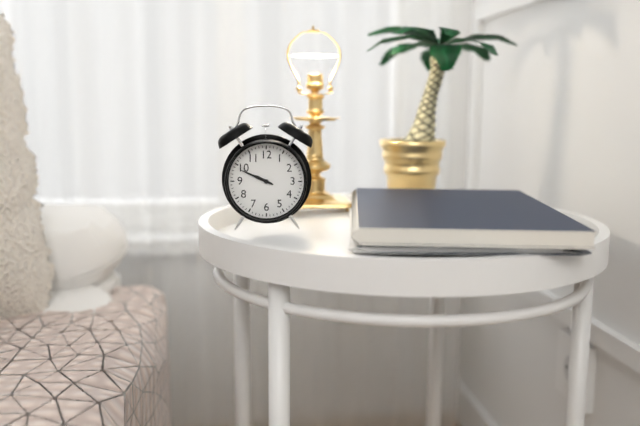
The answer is 9:49
